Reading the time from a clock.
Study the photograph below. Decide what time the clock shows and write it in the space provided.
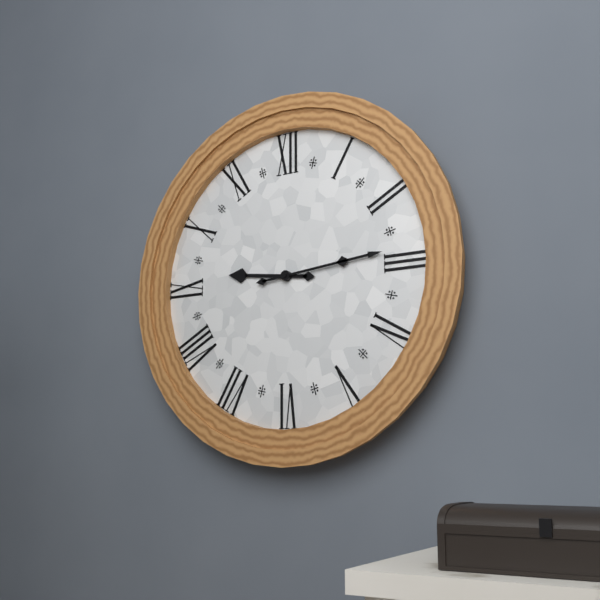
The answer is 9:14
